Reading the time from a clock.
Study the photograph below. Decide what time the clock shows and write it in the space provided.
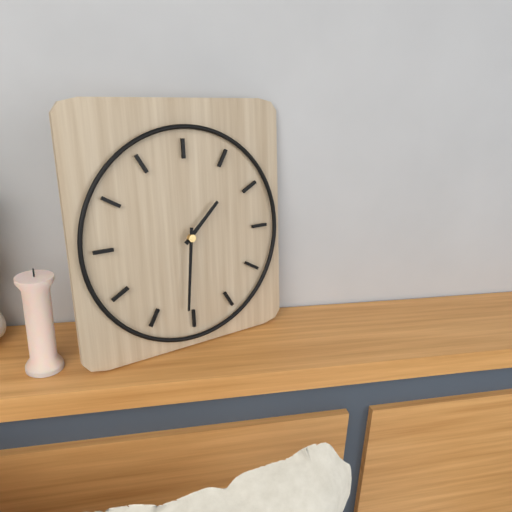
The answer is 1:31
